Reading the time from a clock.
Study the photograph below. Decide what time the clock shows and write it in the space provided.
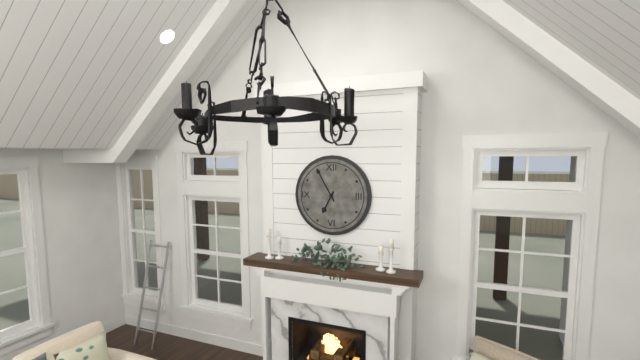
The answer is 6:55
